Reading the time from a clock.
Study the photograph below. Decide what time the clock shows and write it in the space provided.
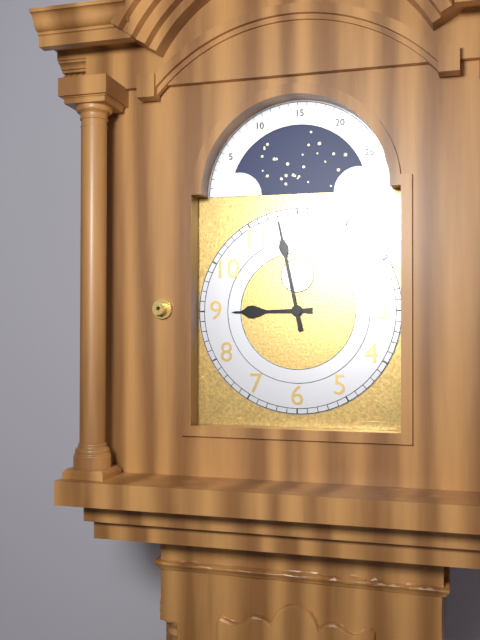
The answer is 8:58
